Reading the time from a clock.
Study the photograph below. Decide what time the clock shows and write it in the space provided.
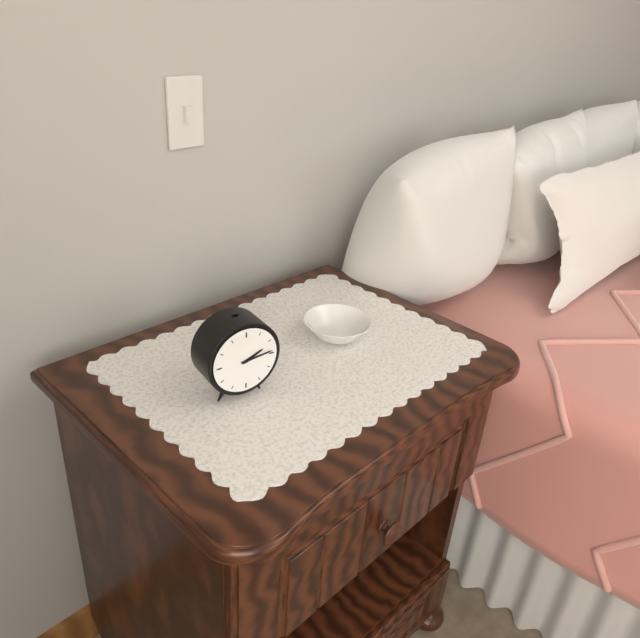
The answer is 2:14
